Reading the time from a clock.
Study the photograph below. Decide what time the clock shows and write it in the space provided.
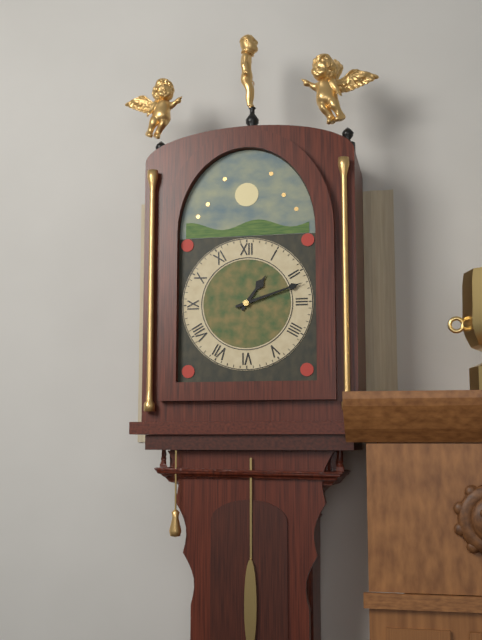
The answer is 1:12
